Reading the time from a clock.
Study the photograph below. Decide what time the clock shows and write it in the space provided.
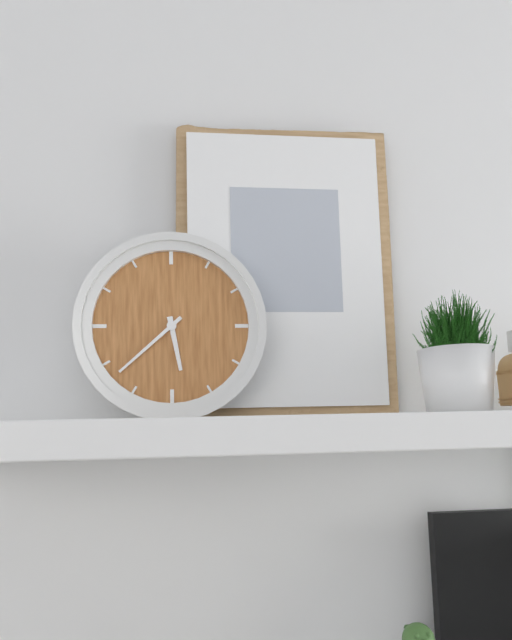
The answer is 5:38
